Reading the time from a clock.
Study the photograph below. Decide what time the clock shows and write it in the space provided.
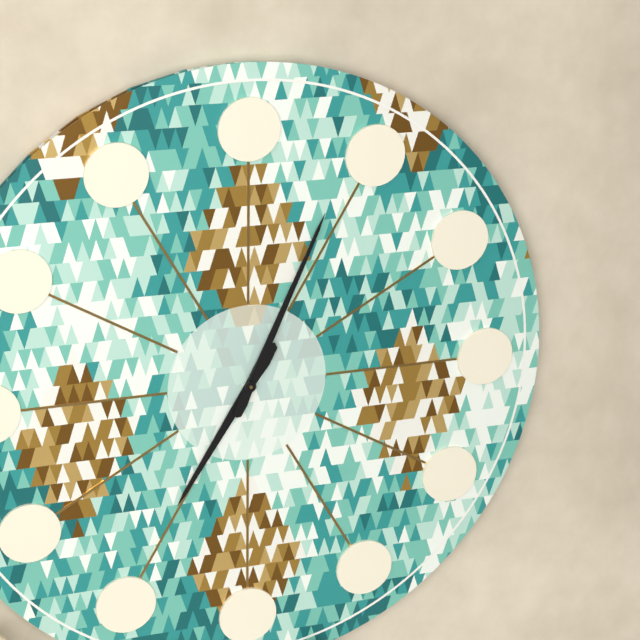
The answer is 7:04
